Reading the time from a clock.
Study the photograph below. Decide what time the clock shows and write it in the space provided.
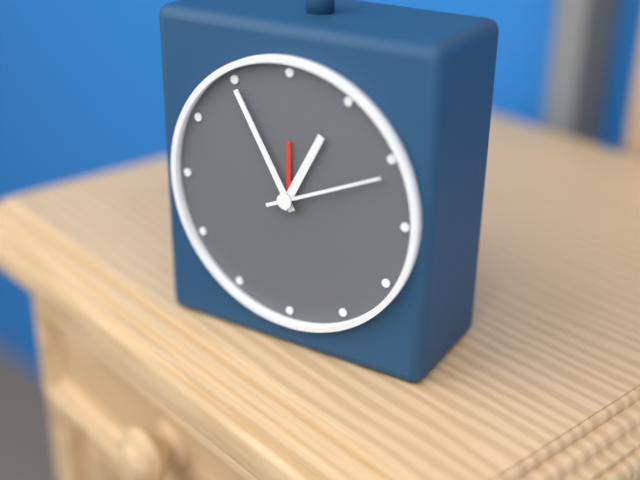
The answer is 12:55:11
